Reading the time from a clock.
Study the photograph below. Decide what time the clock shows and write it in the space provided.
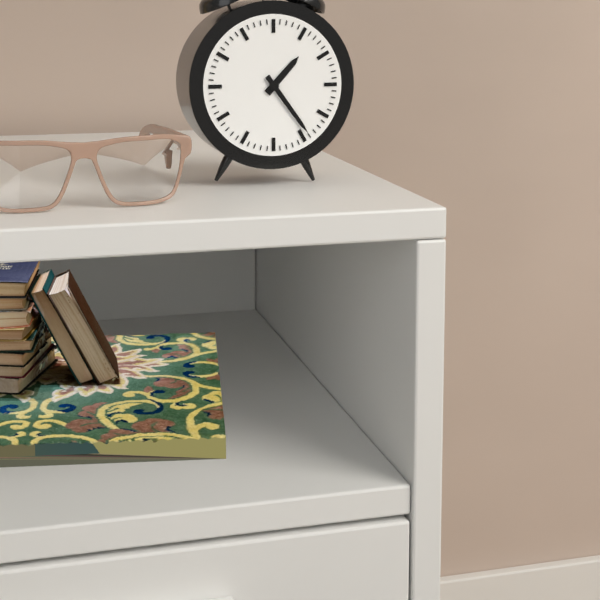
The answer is 1:24
